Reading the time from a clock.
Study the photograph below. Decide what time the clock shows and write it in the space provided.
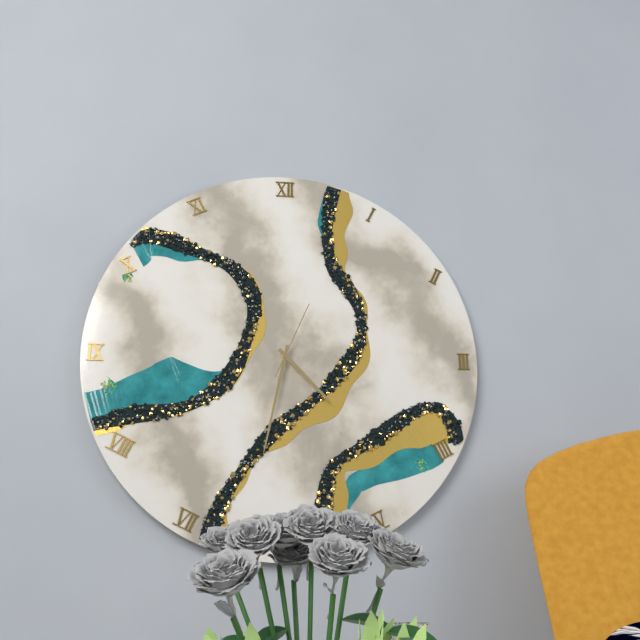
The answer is 4:32:04
